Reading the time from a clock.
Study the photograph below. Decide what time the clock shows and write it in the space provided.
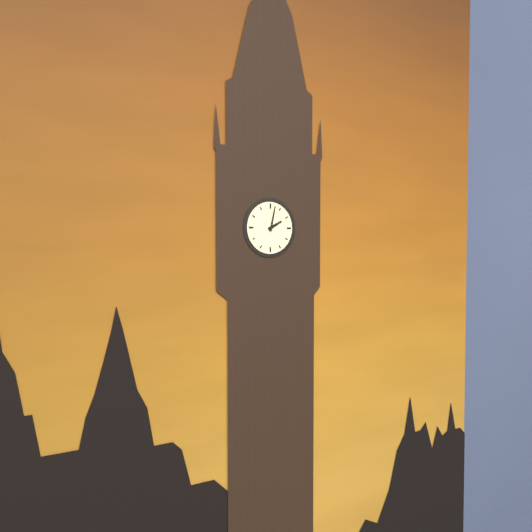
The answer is 2:02
